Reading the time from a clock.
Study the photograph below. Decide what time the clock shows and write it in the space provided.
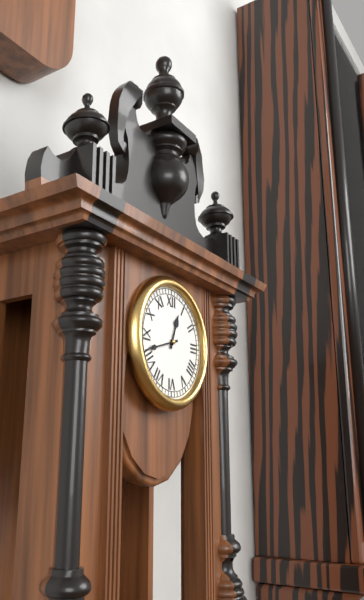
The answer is 12:42
